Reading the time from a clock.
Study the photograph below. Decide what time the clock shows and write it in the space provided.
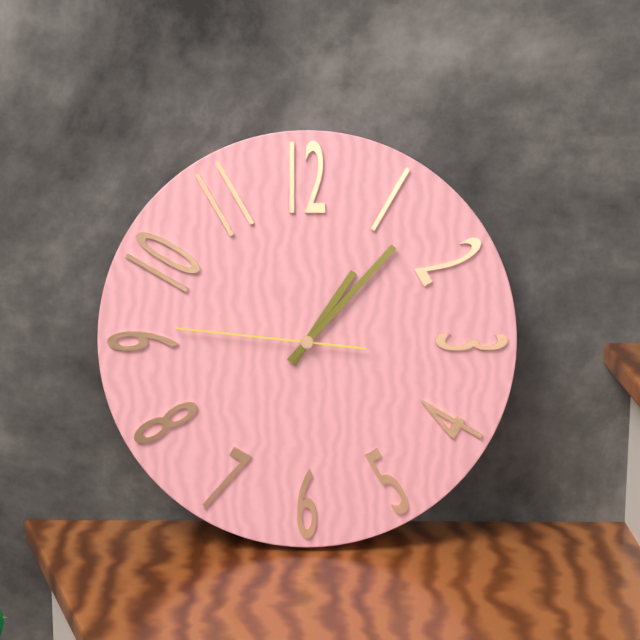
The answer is 1:07:46
